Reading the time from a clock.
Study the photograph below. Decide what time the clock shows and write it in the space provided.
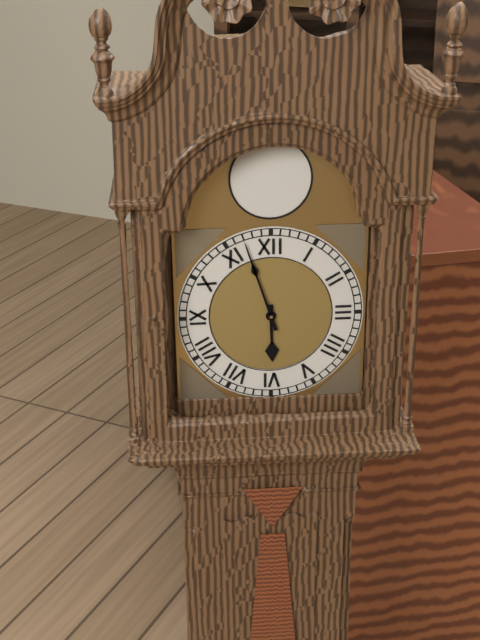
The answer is 5:57
